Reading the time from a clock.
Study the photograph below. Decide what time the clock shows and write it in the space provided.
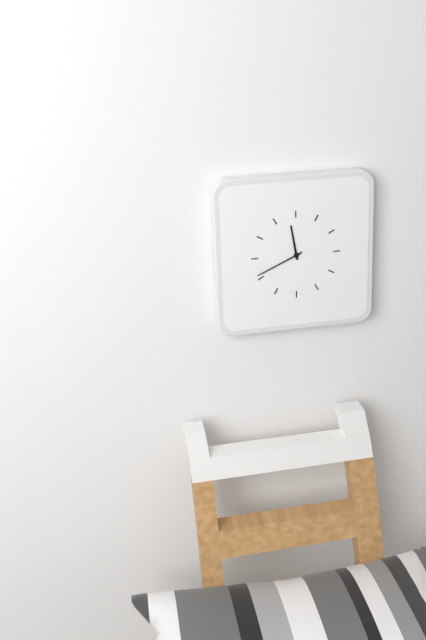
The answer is 11:41
